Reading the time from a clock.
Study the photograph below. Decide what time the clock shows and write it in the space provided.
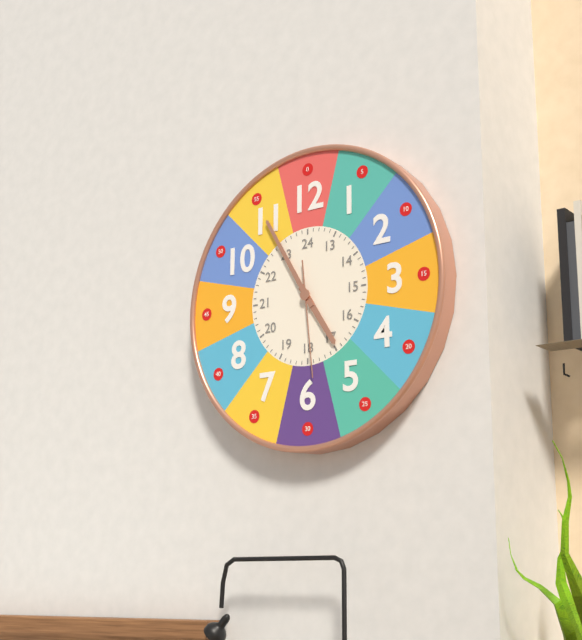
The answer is 4:55:29
